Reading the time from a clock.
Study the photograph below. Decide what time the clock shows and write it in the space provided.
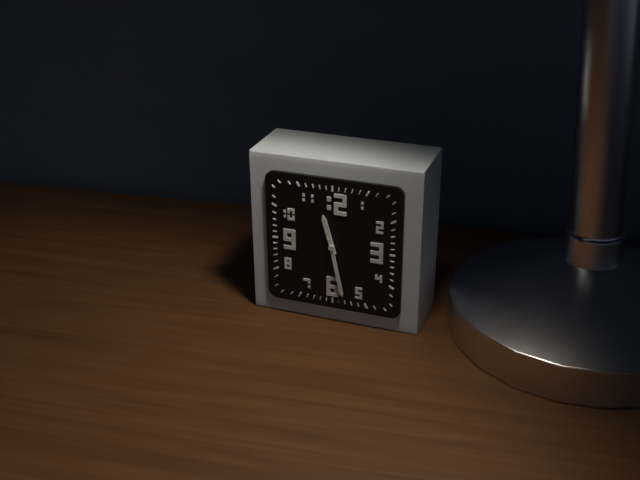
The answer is 11:28
